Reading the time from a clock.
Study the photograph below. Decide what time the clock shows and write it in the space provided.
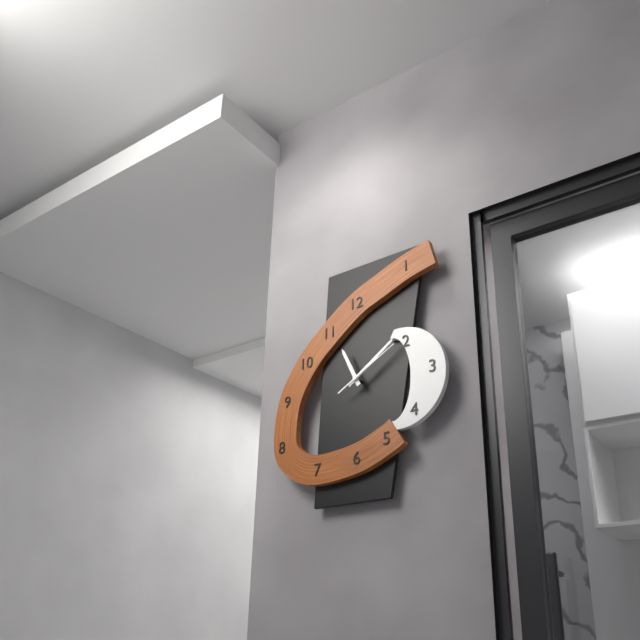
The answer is 11:09:10
